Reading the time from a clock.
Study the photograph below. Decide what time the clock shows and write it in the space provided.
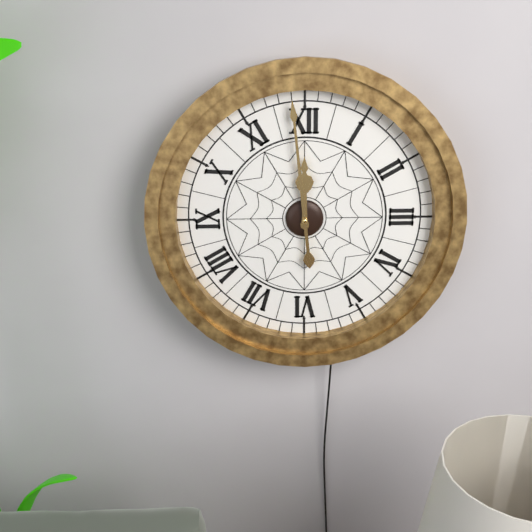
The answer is 11:59
